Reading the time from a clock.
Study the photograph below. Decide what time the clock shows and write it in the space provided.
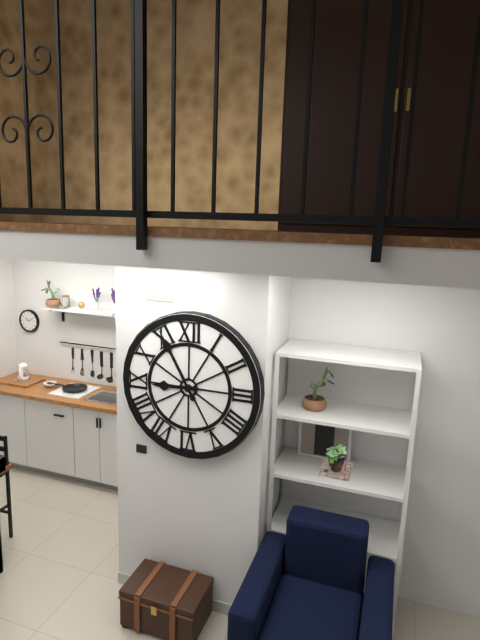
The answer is 8:55
